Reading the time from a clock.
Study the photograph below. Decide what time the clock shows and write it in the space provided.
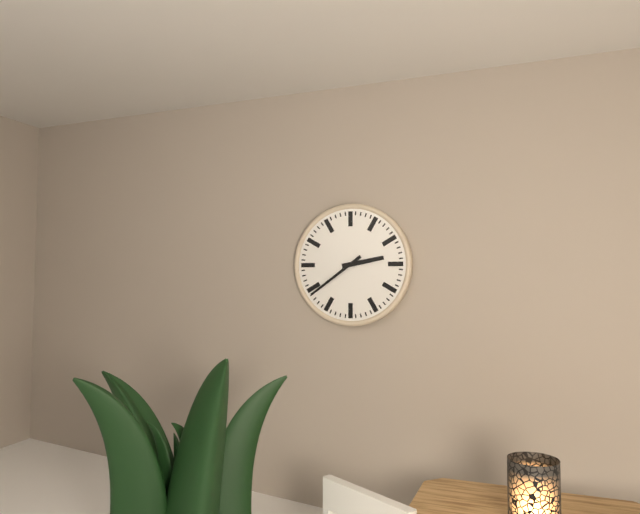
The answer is 2:39
